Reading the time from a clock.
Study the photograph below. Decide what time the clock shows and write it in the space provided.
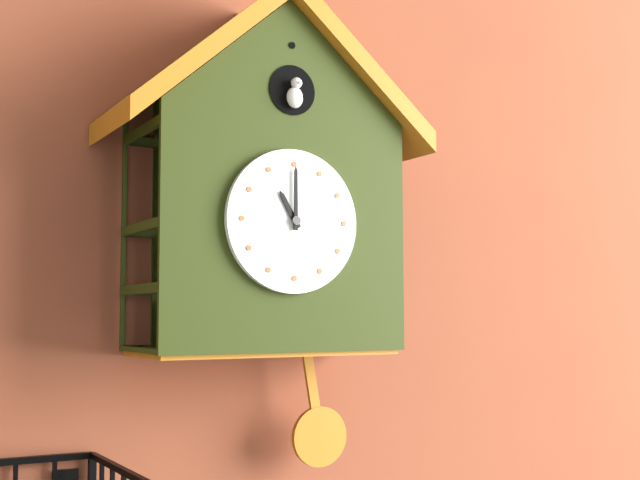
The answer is 11:00
